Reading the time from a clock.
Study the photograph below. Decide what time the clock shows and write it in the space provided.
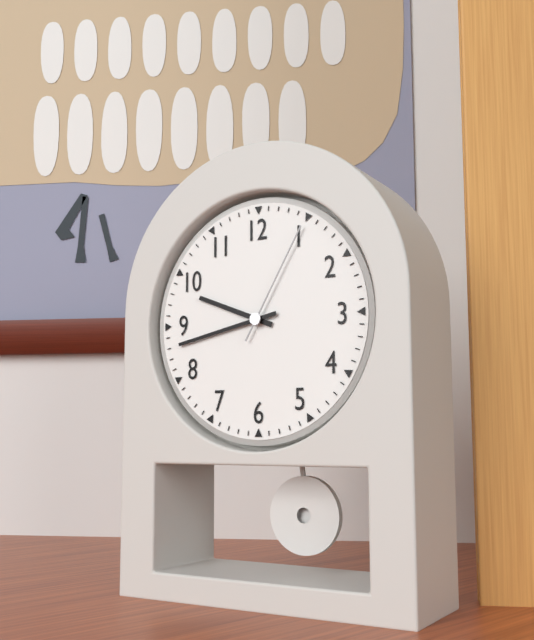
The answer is 9:43:05
